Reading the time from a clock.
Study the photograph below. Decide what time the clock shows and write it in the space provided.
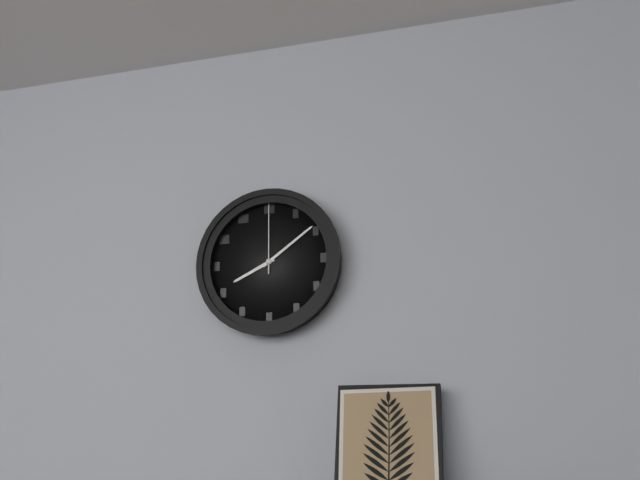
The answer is 8:09:00
